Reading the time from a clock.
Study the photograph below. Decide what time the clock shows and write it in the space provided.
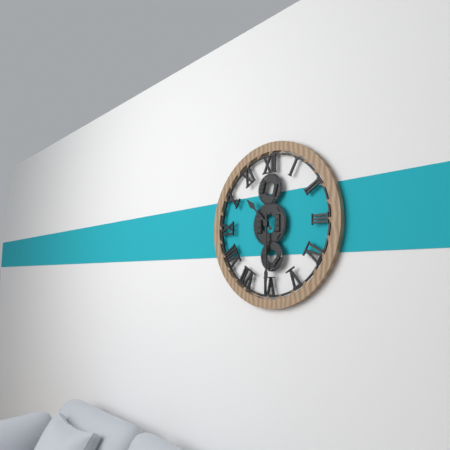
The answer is 10:30
